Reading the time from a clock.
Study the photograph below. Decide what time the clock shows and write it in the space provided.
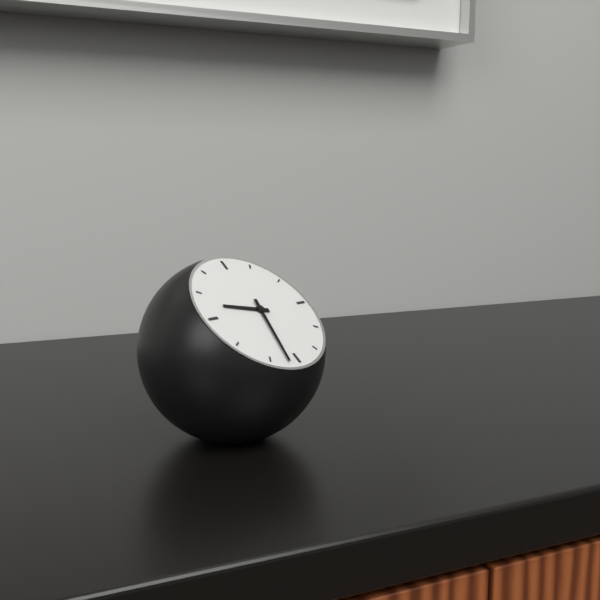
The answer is 9:32
